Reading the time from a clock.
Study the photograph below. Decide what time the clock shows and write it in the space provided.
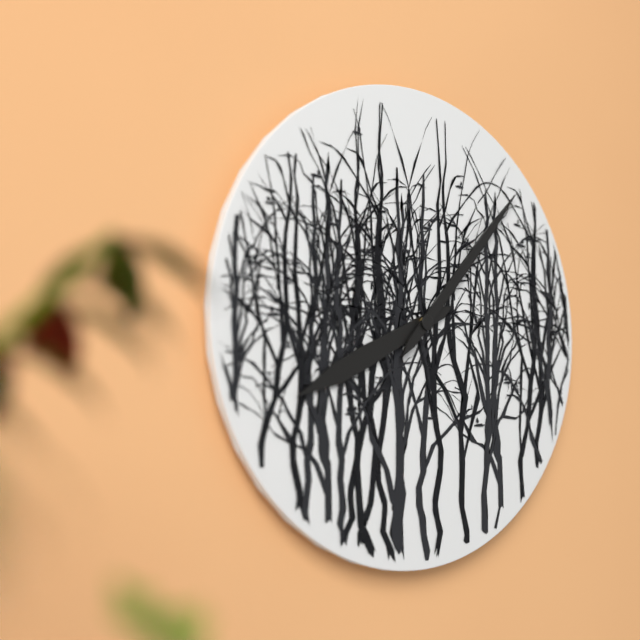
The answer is 8:07
